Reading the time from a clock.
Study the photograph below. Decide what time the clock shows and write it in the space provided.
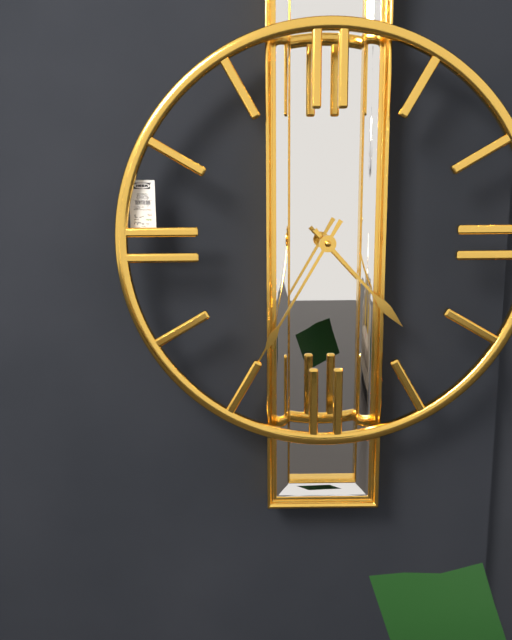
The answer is 4:35
